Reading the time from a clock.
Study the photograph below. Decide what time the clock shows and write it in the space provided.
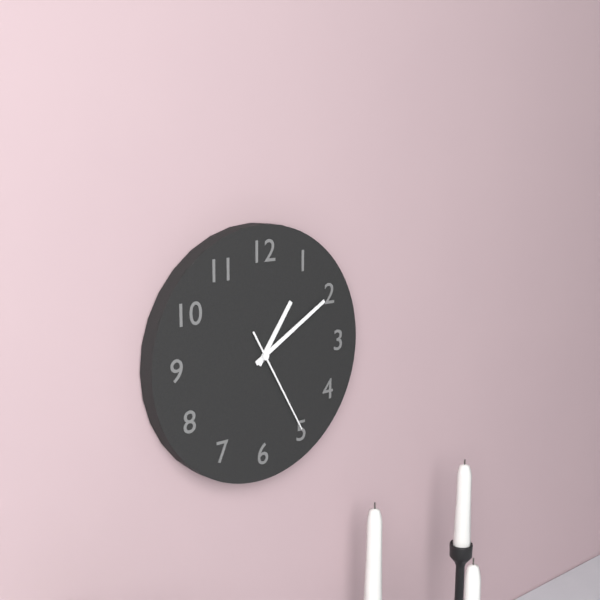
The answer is 1:10:25
